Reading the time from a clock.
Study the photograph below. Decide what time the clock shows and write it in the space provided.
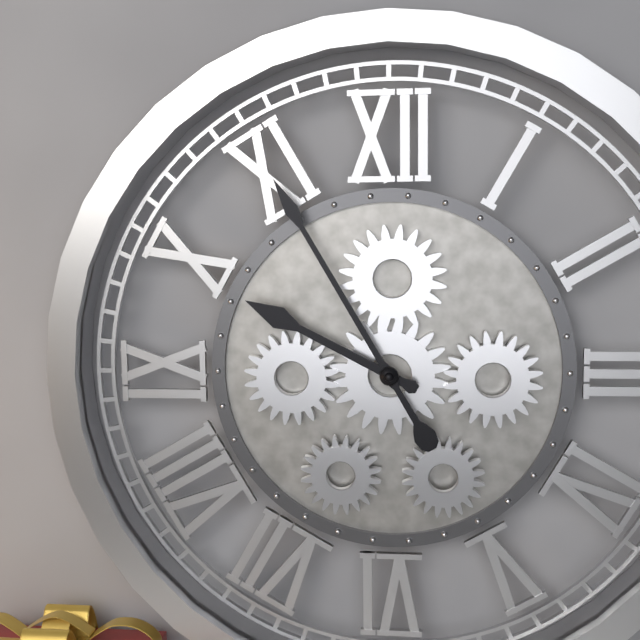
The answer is 9:55
